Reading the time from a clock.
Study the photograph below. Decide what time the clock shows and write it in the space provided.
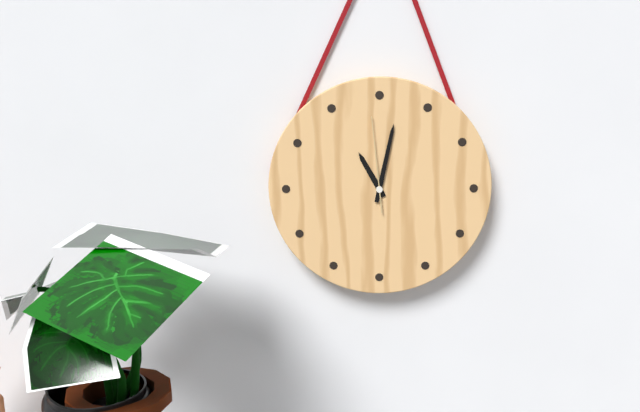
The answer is 11:02:59
